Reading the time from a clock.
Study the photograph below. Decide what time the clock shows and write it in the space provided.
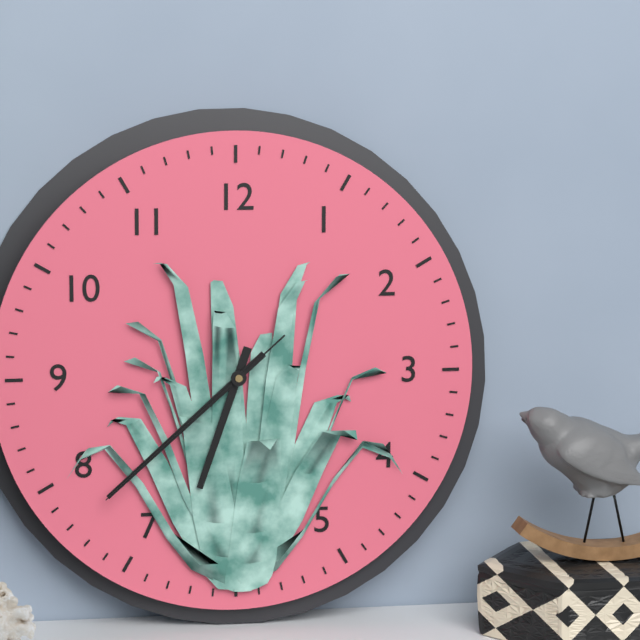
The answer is 6:38:38
